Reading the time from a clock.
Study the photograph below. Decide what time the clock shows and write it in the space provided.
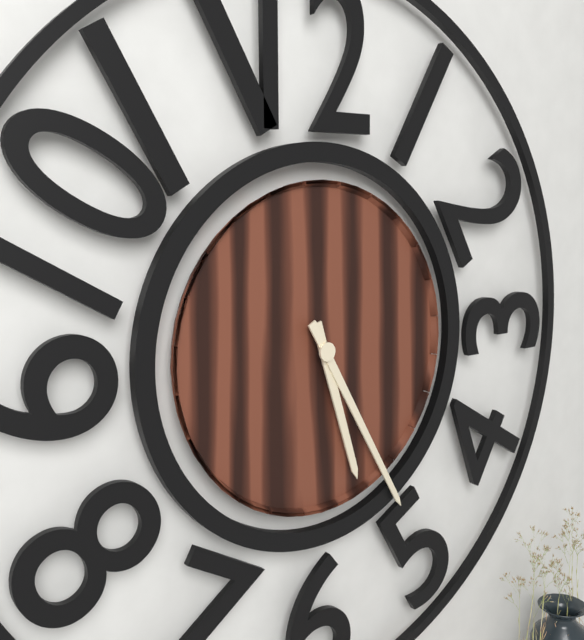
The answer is 5:25
